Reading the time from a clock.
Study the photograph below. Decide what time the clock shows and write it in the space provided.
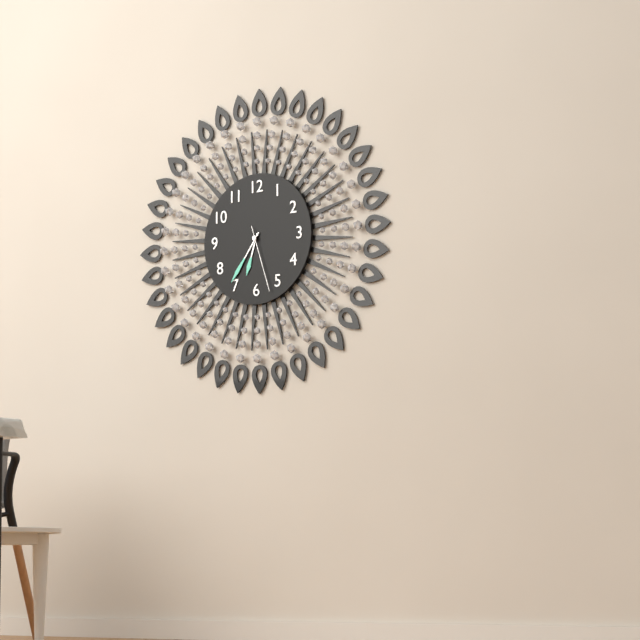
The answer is 6:36:27
